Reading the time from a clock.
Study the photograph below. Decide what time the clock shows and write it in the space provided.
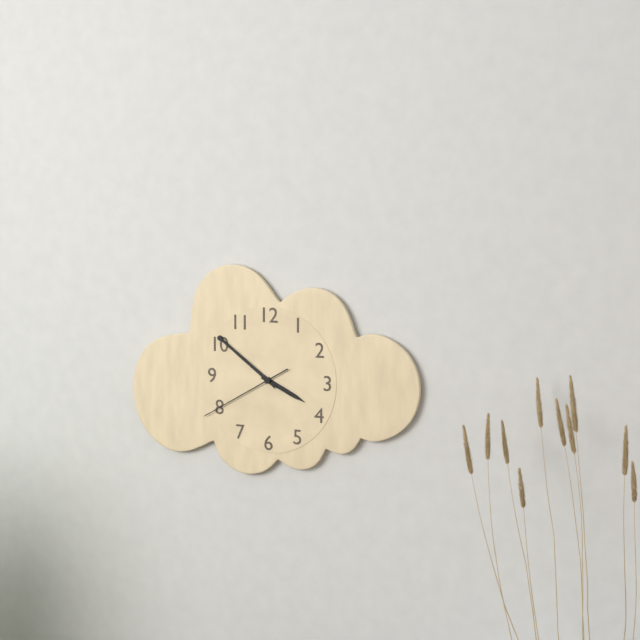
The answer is 3:51:40
